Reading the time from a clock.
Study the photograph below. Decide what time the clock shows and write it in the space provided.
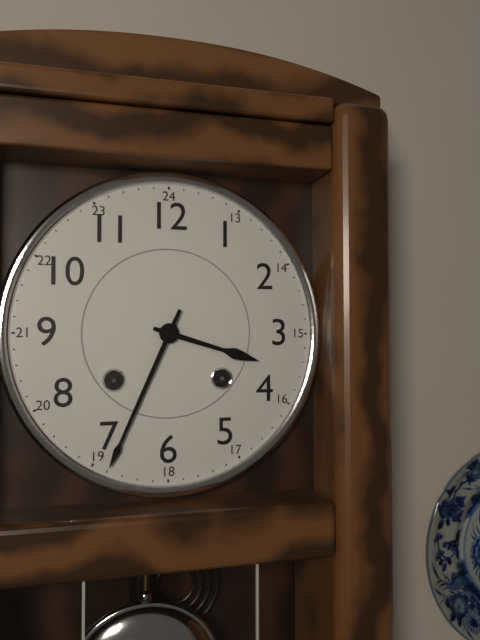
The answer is 3:34
